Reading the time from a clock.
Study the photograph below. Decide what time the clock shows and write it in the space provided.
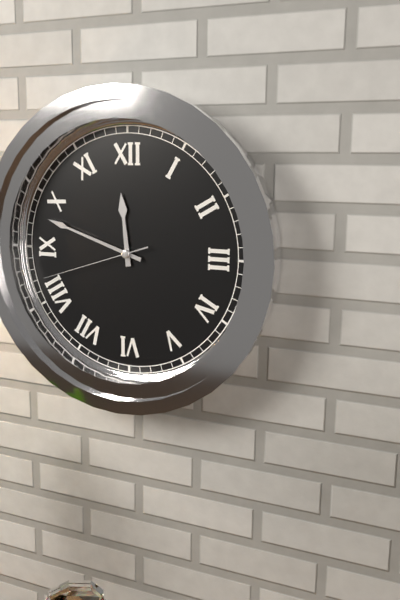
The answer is 11:48:42
